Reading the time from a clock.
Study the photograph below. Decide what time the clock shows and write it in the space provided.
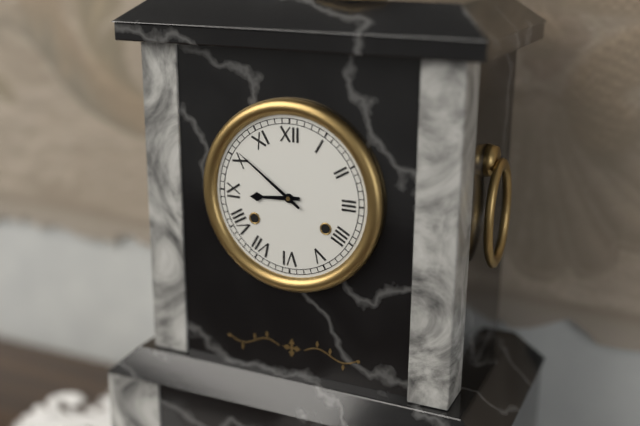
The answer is 8:51
